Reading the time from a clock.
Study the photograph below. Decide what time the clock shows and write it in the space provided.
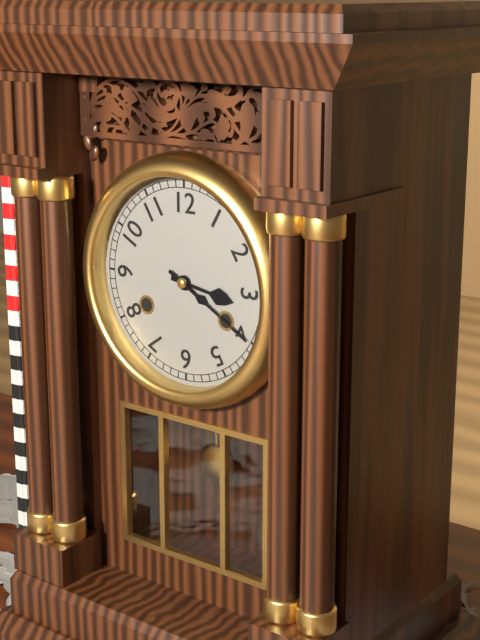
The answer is 3:20
